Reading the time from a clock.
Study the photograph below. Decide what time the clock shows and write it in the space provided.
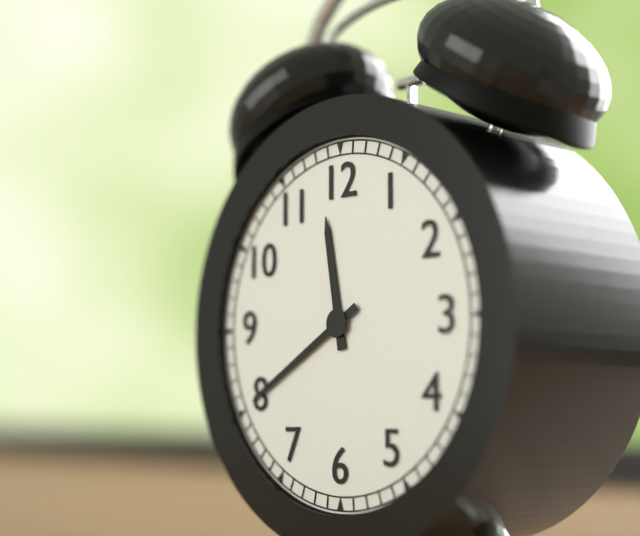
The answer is 11:40
